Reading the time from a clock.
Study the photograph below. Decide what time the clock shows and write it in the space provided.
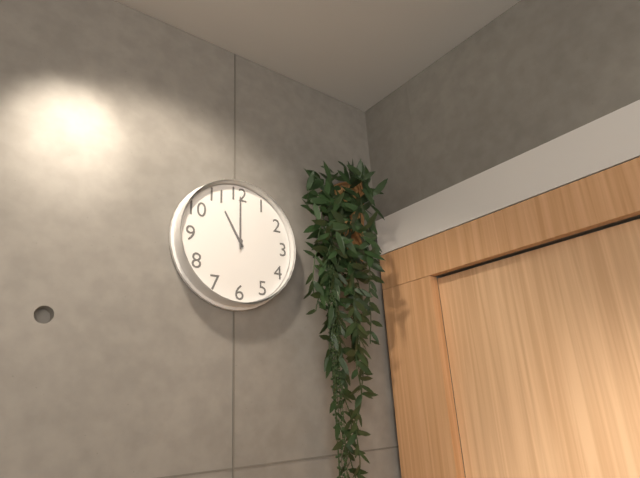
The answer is 11:00
